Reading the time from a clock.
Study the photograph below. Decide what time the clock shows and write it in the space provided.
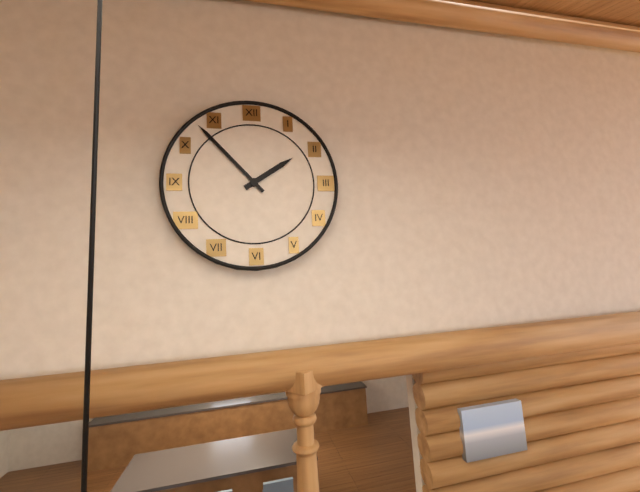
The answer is 1:53
